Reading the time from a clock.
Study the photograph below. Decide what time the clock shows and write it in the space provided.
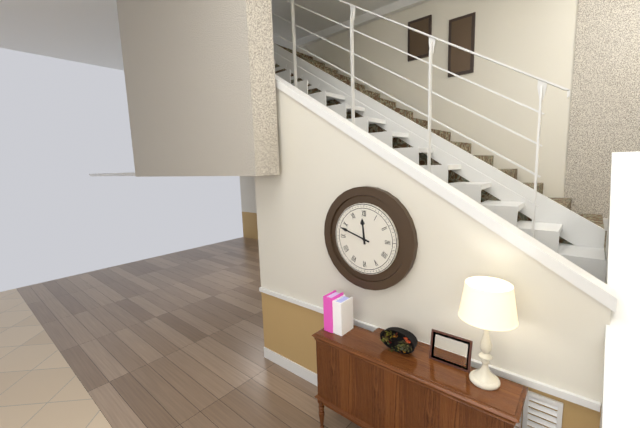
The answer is 11:48
